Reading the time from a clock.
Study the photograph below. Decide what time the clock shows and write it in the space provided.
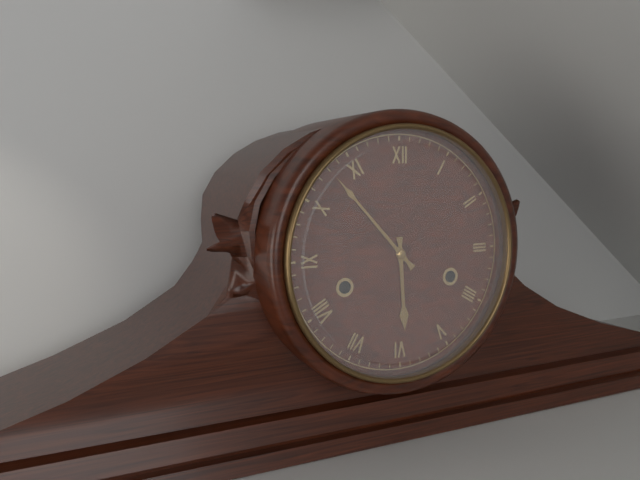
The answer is 5:53
